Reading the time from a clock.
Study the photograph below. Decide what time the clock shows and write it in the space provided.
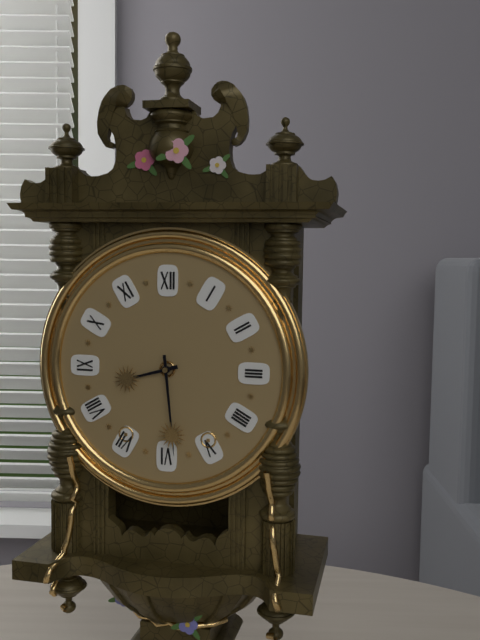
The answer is 8:29
